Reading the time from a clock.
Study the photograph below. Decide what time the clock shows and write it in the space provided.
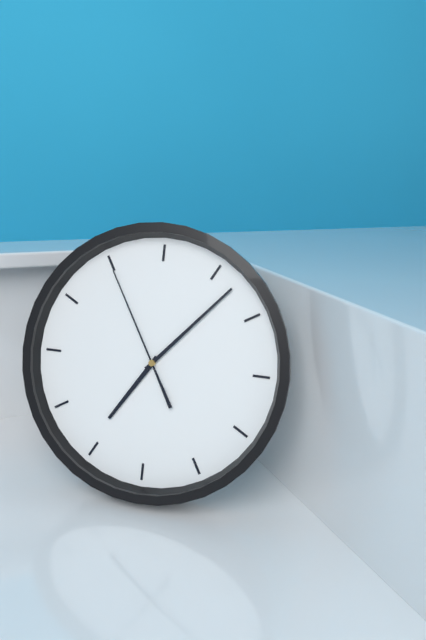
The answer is 7:07:55
